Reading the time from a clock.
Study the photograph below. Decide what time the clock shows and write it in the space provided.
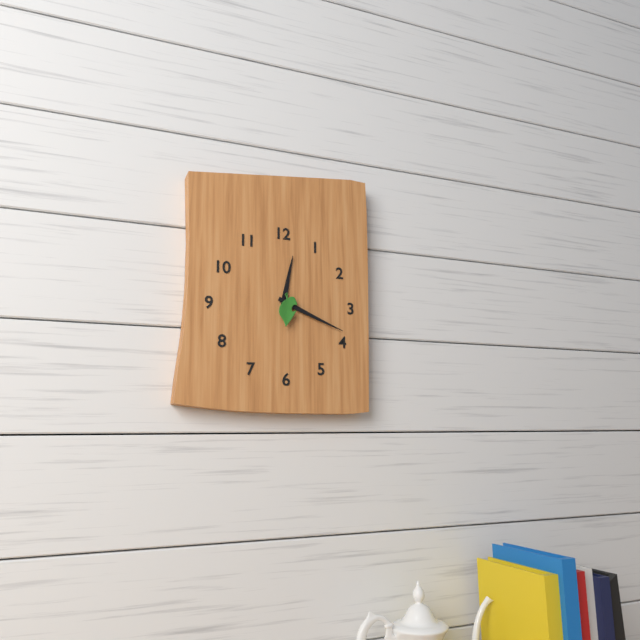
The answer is 12:19
